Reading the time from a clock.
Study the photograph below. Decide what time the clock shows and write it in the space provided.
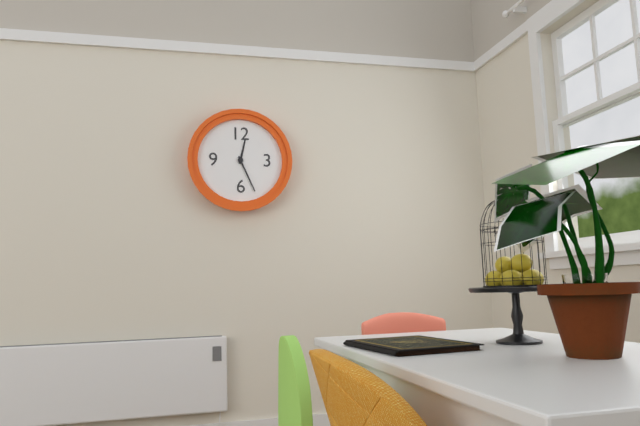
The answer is 12:26
